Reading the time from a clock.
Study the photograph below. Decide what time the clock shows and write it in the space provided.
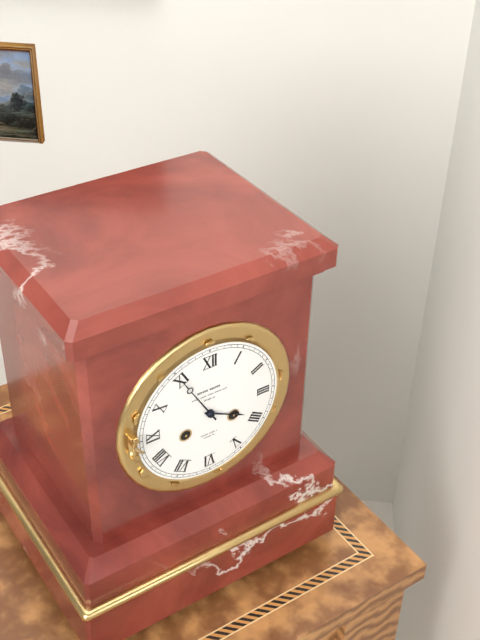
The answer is 3:55
